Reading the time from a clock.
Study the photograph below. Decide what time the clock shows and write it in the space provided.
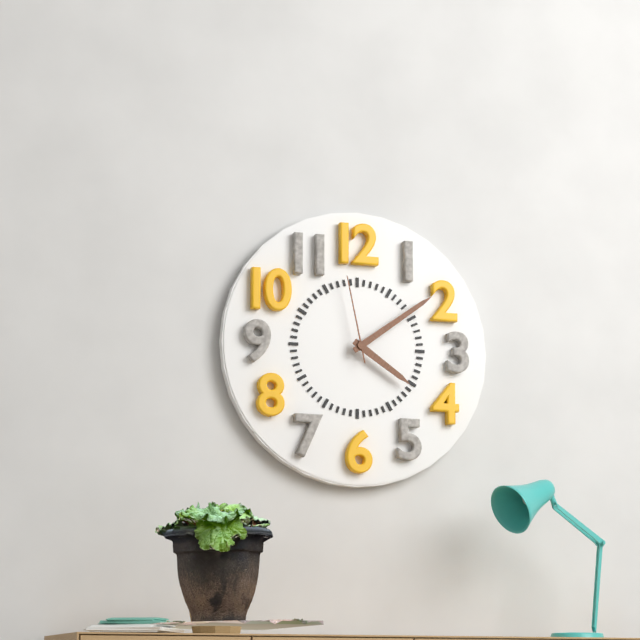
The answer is 4:09:58
